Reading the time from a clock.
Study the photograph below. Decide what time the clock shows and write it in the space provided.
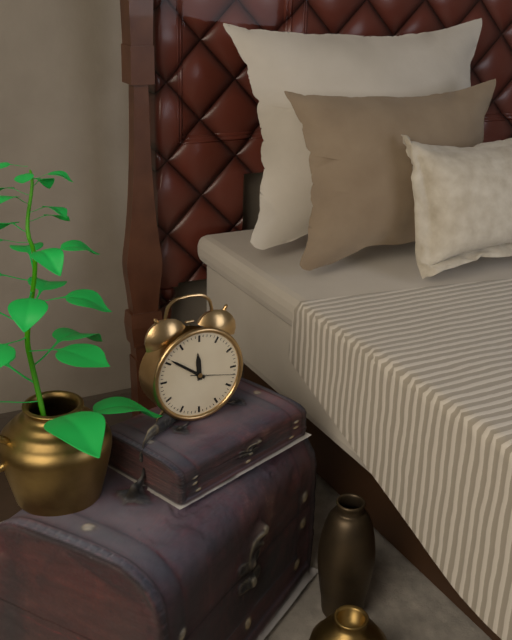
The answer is 11:51
